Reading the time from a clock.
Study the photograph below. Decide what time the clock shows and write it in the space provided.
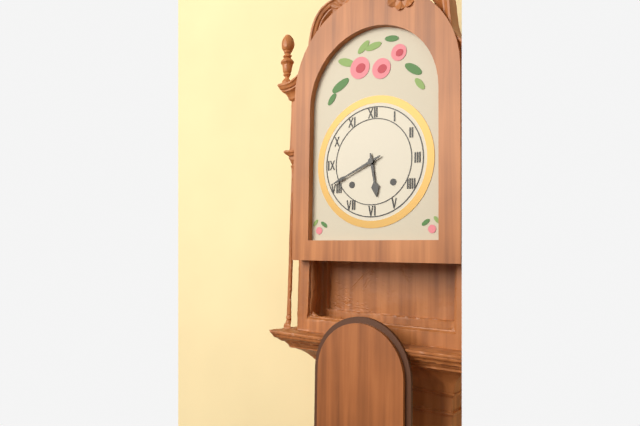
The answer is 5:41
